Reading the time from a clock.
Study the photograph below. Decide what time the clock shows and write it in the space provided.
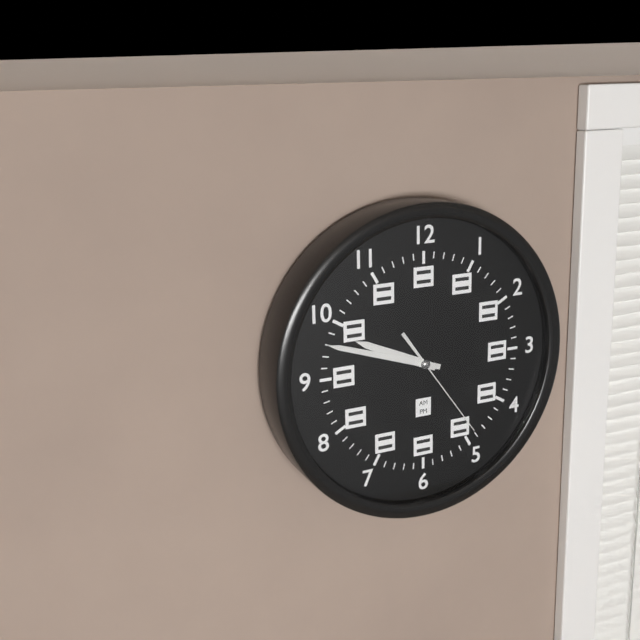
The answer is 9:48:24
